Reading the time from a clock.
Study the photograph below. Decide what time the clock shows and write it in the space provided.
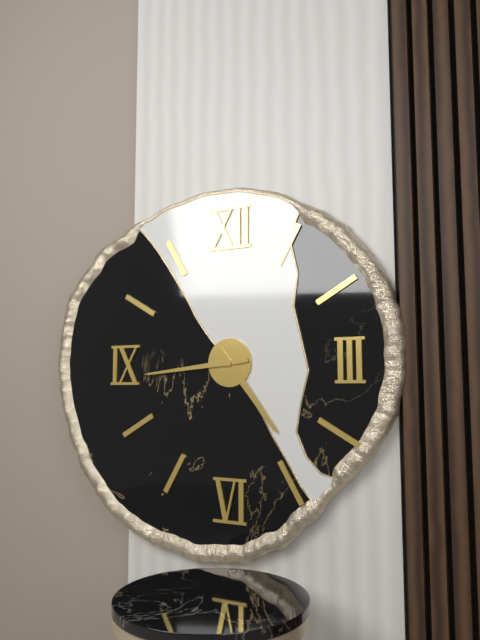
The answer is 4:44
